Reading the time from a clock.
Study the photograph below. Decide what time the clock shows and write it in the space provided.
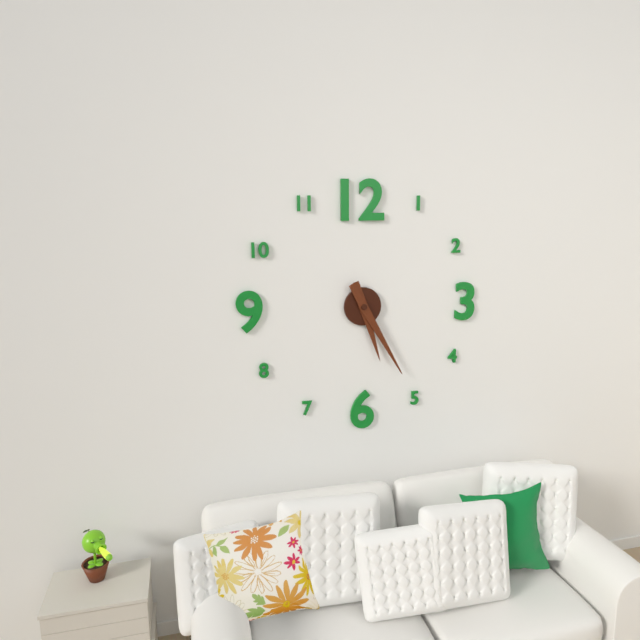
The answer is 5:25
